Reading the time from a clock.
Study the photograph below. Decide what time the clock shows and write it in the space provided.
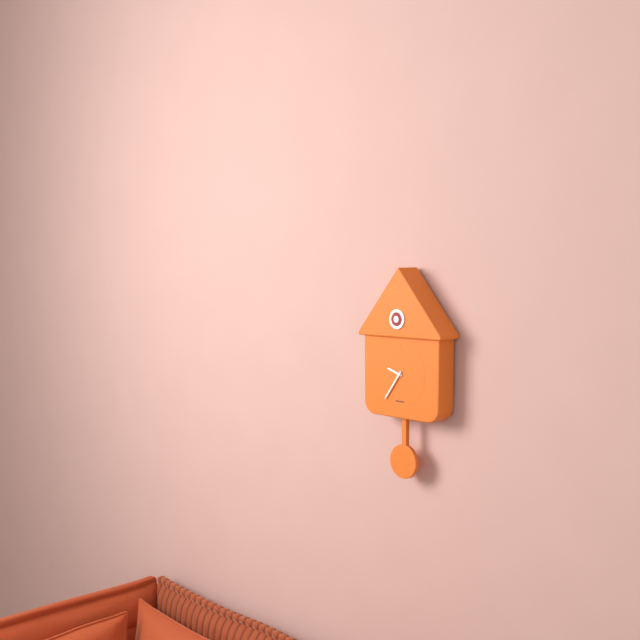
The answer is 9:36
